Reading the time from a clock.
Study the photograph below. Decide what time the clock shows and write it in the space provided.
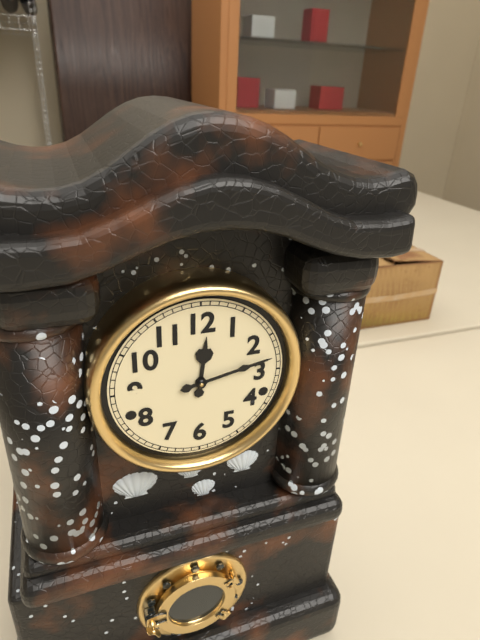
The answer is 12:13
